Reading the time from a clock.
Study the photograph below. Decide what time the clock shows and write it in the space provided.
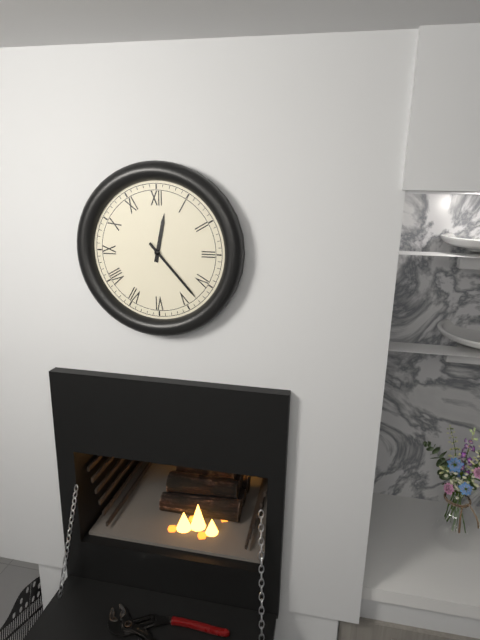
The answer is 12:23
